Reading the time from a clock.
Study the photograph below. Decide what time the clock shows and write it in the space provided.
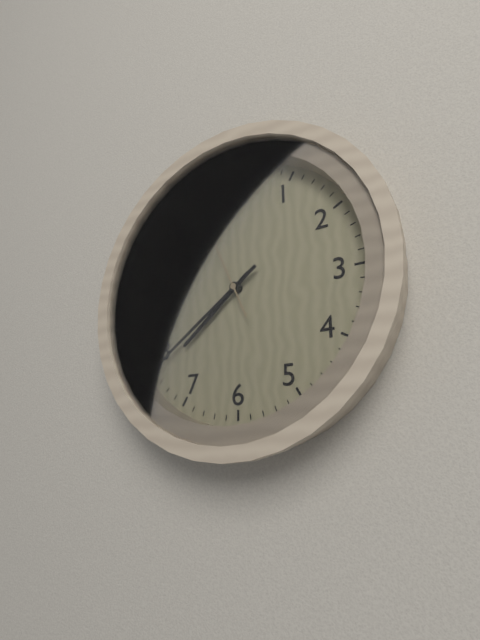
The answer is 7:39:56
